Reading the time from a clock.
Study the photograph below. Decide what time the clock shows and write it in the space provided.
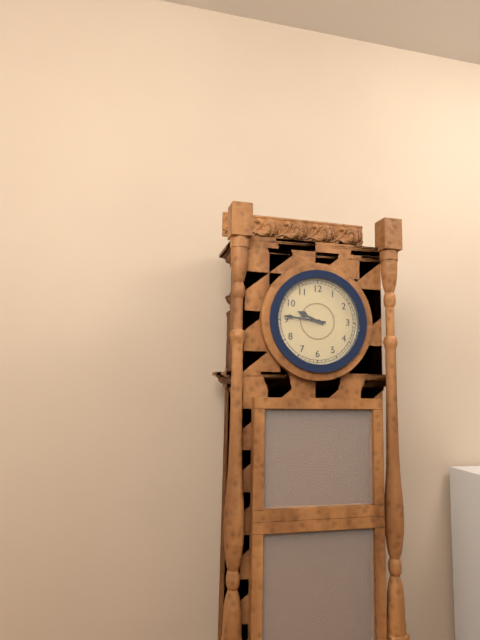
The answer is 9:46
